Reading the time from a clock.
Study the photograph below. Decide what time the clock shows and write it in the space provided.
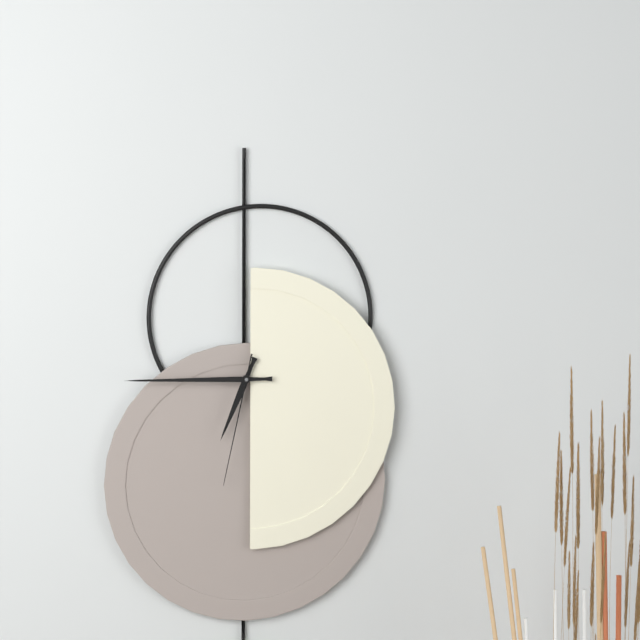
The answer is 6:45:32
